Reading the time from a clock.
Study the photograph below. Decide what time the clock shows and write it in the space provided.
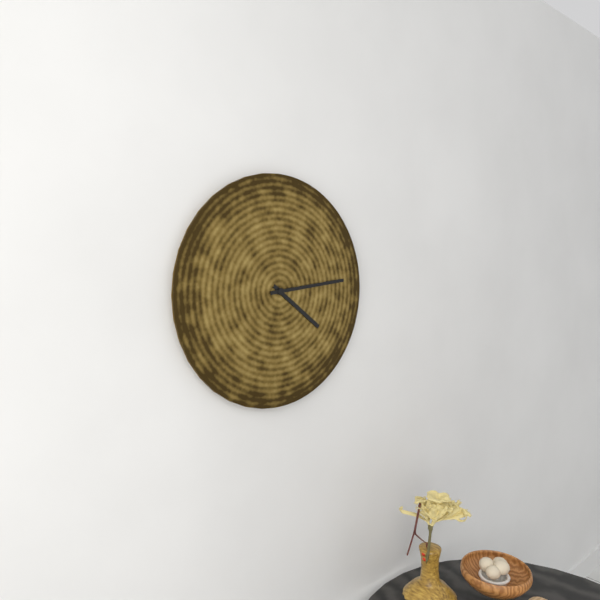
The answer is 4:14
